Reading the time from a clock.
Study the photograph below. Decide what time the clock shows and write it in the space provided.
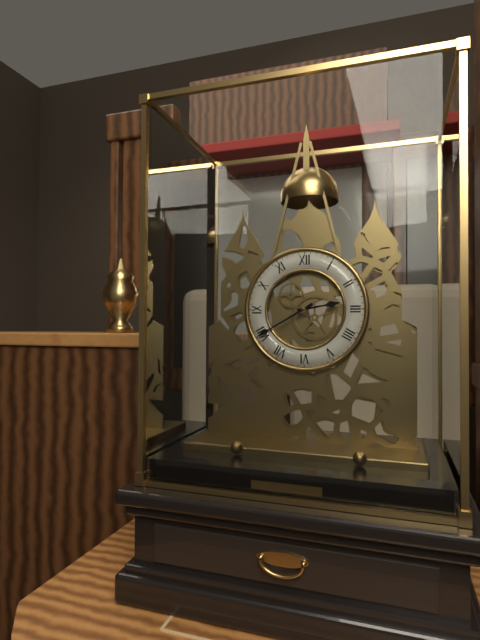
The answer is 2:40
